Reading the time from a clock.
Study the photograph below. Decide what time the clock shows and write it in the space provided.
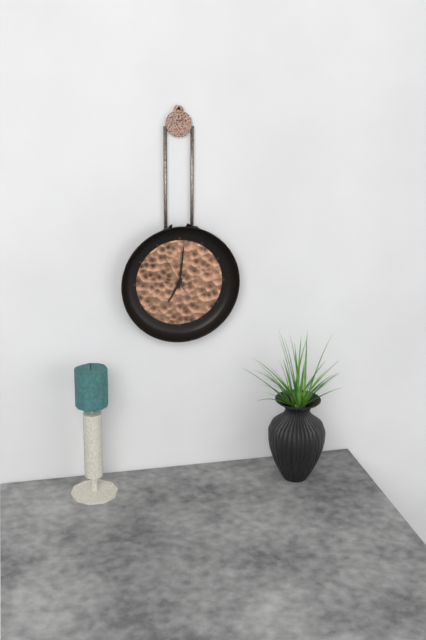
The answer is 7:01
